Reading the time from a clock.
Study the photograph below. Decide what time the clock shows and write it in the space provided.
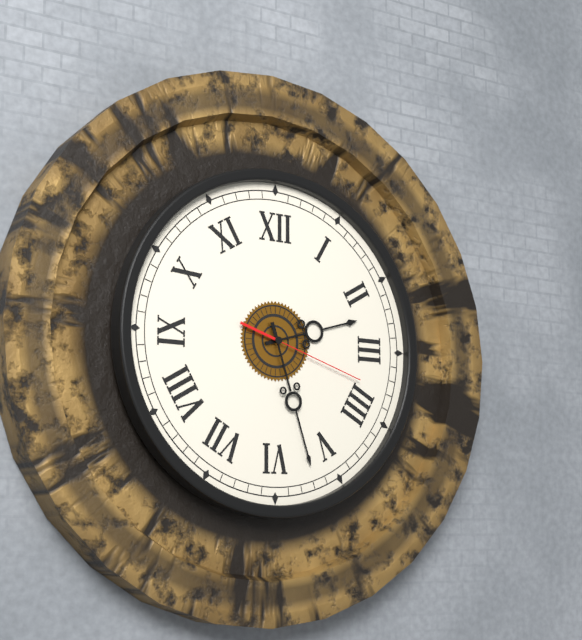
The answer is 2:27:18
